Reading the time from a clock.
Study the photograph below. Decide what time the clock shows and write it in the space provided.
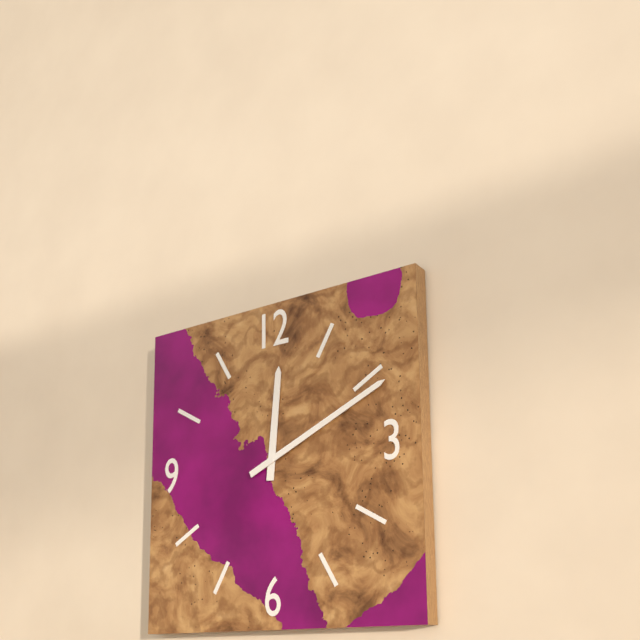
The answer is 12:11
